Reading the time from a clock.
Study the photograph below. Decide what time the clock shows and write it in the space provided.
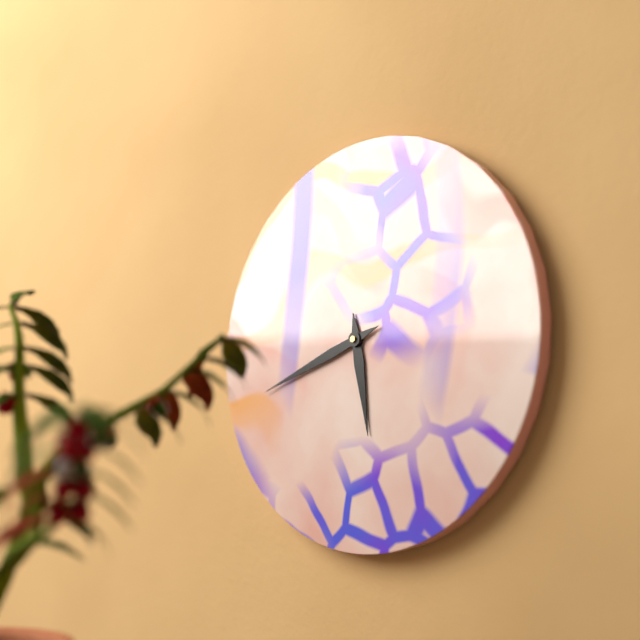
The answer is 5:42
